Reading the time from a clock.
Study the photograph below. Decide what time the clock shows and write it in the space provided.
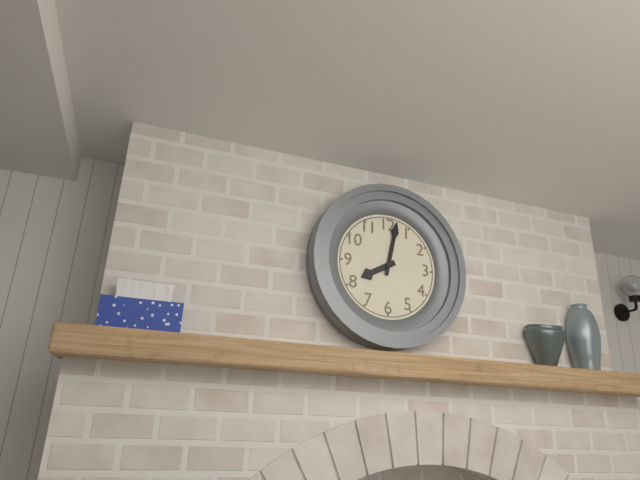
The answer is 8:02
